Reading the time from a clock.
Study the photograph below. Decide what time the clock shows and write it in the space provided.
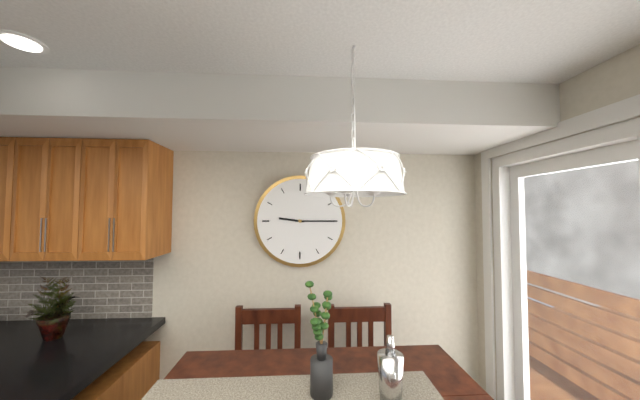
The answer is 9:15
